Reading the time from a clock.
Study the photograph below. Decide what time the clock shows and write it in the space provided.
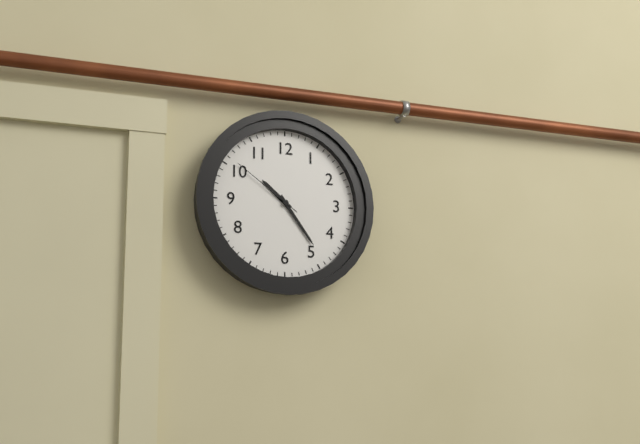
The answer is 10:24:51
